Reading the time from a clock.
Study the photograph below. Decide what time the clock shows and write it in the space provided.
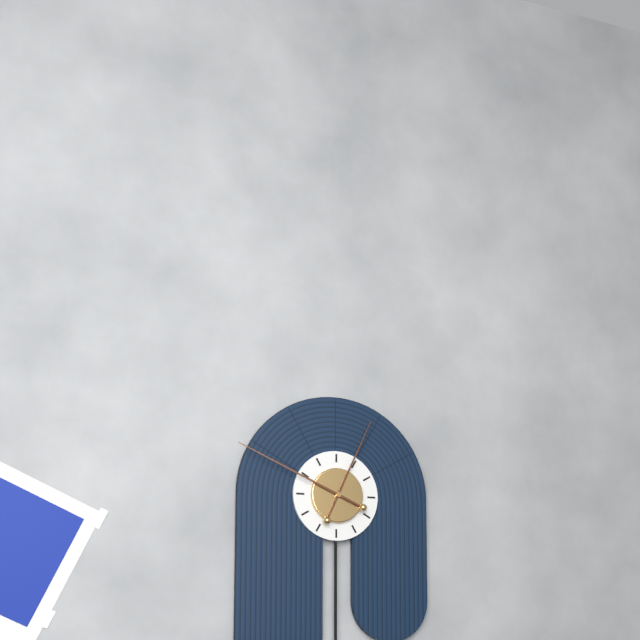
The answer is 12:49
